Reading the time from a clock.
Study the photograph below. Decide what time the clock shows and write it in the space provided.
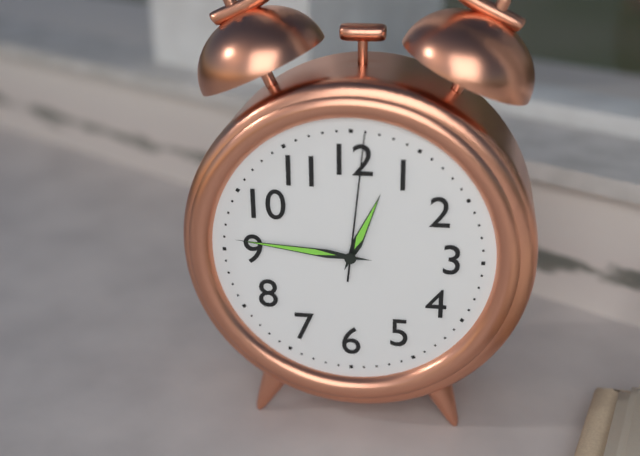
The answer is 12:46:01
